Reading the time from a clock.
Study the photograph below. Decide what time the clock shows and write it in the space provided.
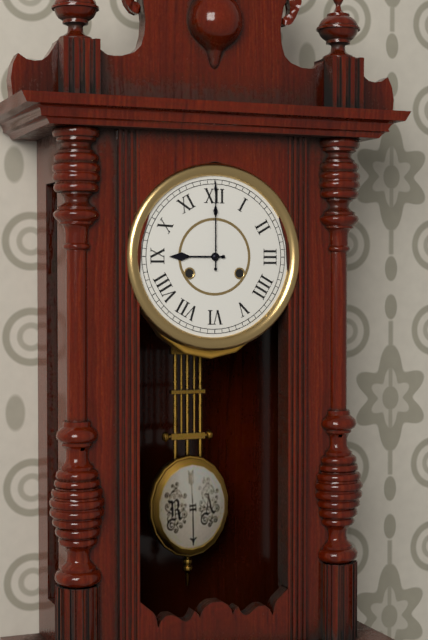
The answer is 9:00
